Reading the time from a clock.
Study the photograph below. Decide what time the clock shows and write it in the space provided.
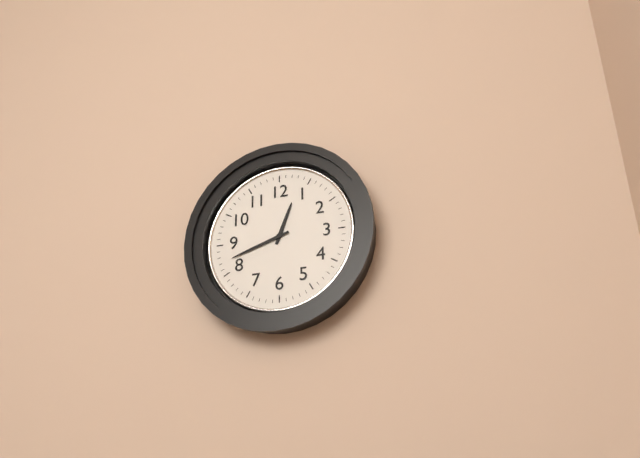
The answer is 12:42
